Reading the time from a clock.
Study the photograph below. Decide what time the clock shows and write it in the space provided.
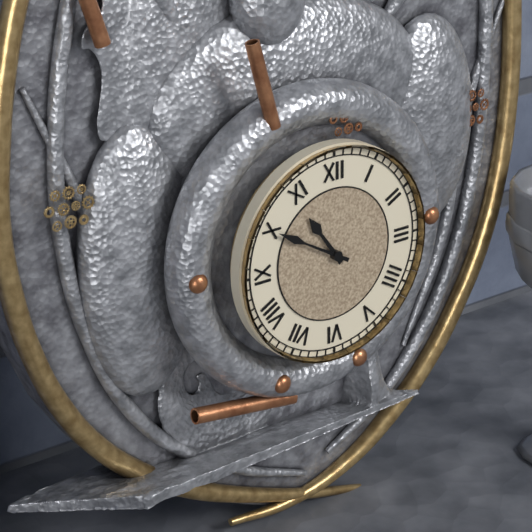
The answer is 10:50
